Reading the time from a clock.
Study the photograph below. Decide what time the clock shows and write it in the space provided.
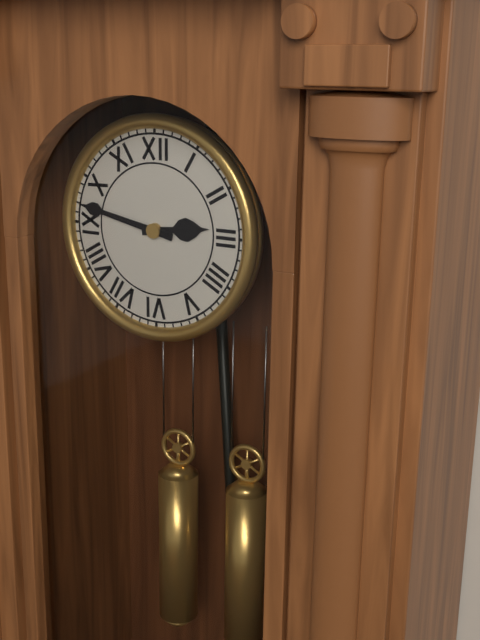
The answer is 2:47
